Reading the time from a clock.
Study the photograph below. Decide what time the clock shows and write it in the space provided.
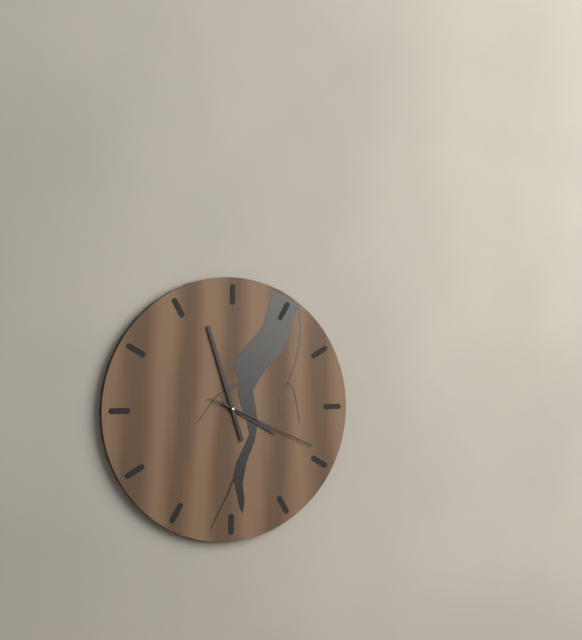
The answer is 3:57:19
